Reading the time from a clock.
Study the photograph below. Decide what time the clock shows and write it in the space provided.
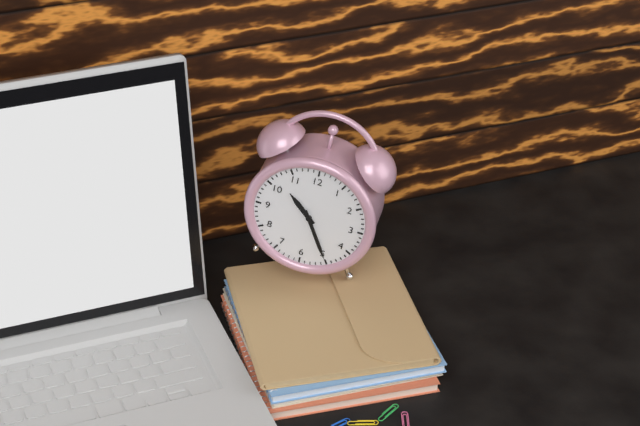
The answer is 10:25
